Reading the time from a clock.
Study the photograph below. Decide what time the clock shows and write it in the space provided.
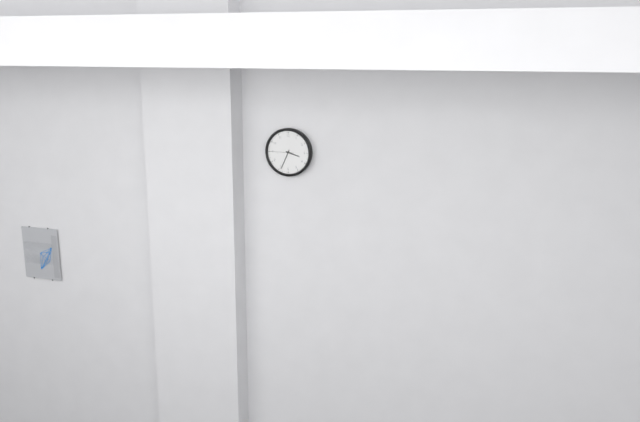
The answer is 3:34
